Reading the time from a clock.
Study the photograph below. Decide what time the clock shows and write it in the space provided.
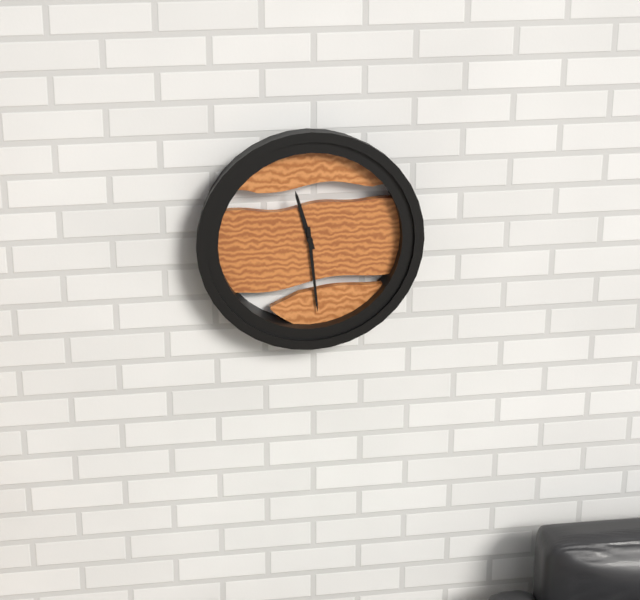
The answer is 11:29
